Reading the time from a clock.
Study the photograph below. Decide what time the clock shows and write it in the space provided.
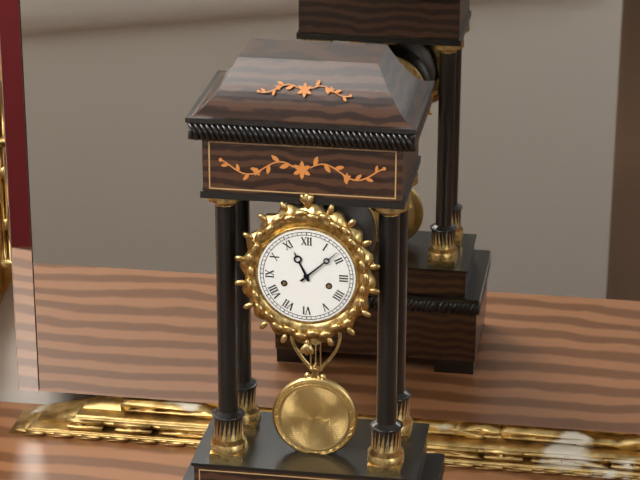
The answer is 11:08
